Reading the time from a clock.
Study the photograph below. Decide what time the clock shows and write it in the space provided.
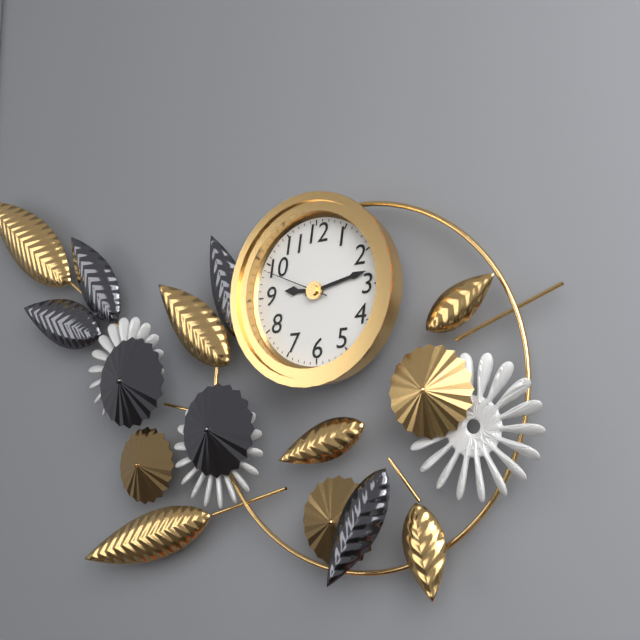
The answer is 9:13:49
